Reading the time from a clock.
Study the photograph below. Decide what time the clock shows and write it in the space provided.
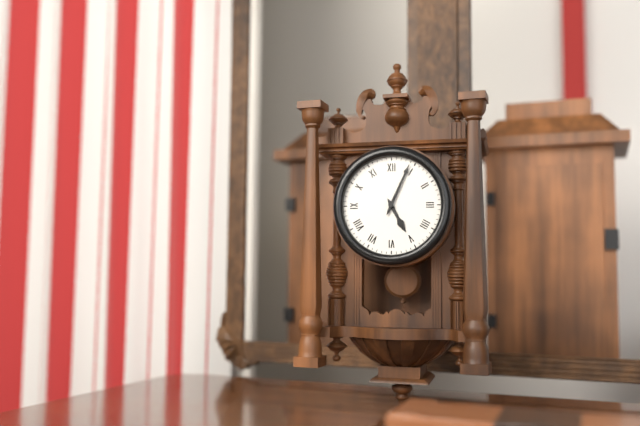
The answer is 5:04
